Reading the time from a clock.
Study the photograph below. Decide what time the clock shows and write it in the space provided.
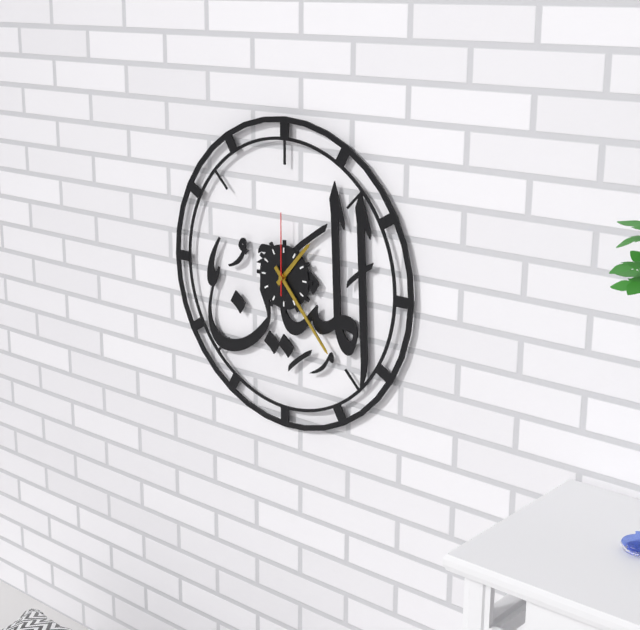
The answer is 1:23:00
